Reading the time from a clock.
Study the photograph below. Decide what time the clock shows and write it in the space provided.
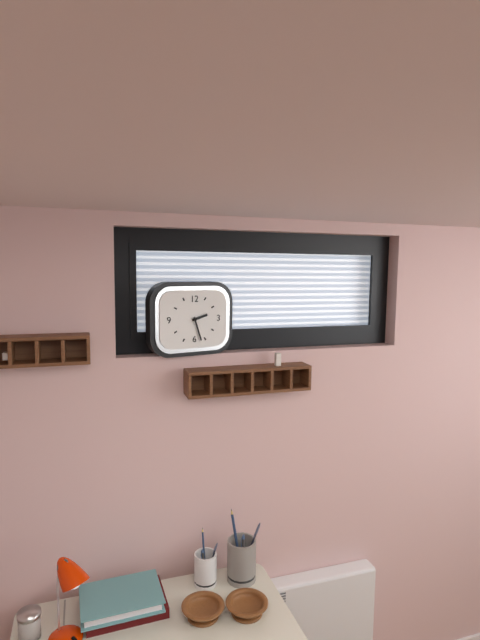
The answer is 2:27
